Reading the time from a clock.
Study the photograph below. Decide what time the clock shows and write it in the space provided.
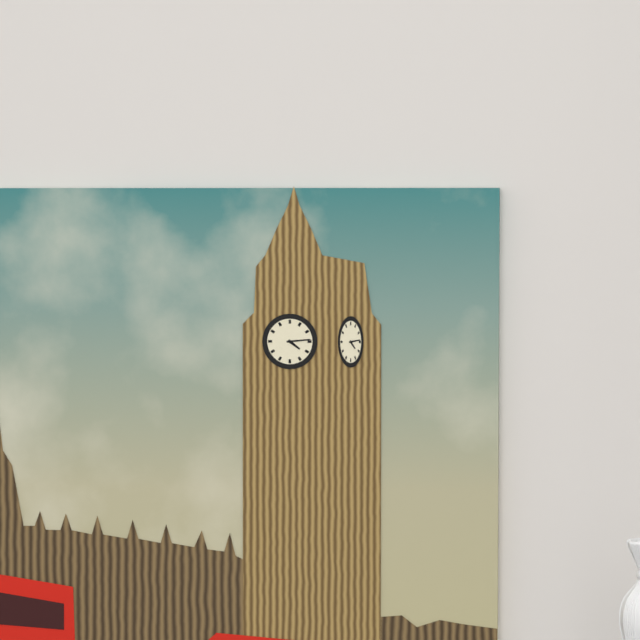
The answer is 4:14
